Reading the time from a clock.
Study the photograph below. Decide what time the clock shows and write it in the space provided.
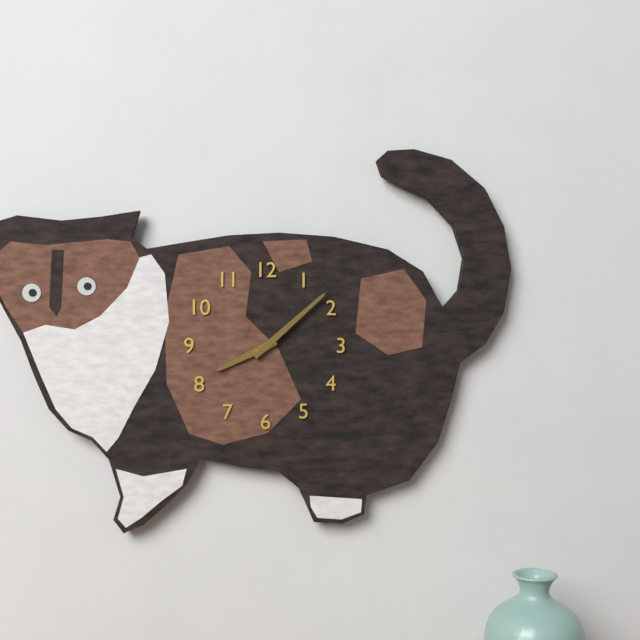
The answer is 8:08
